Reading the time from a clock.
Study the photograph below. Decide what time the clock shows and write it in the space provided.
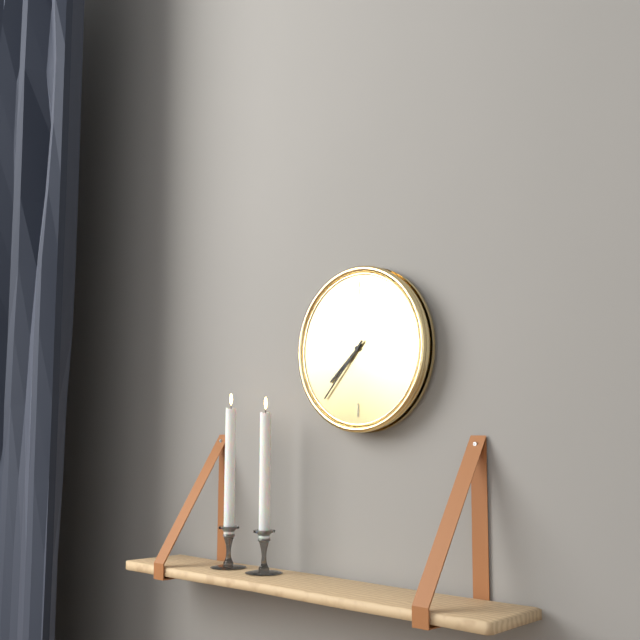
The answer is 7:37
